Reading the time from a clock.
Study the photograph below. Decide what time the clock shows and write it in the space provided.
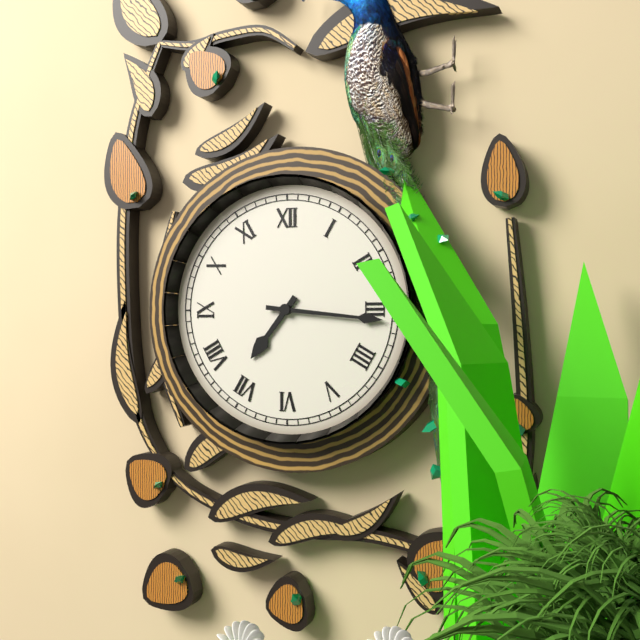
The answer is 7:16
